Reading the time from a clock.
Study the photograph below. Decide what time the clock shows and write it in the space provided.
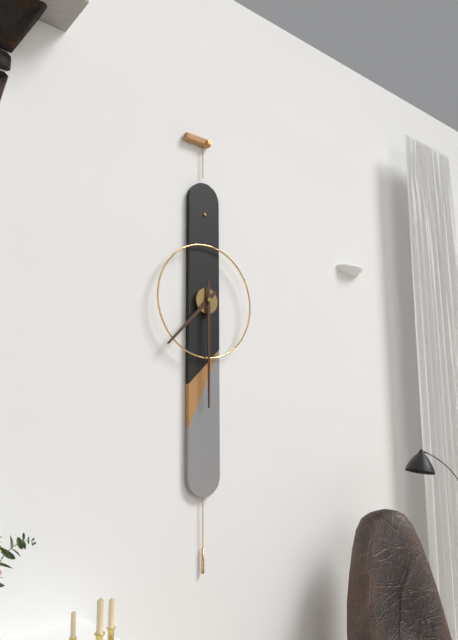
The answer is 7:30
